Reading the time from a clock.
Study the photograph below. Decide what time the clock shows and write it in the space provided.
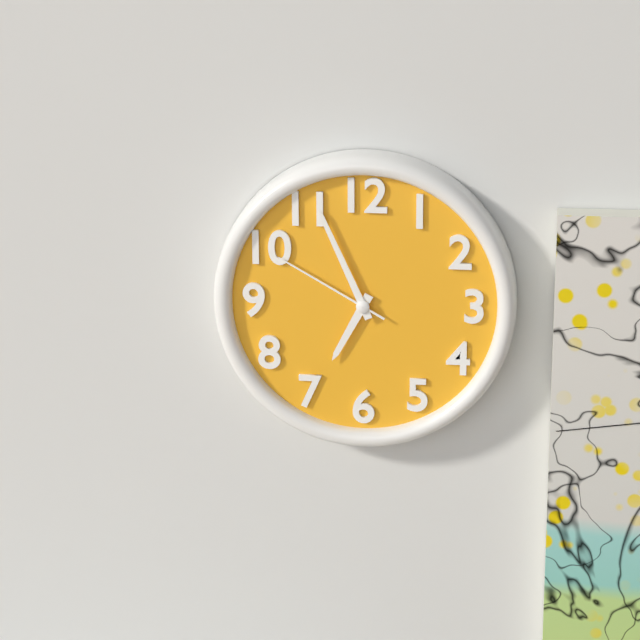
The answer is 6:56:50
